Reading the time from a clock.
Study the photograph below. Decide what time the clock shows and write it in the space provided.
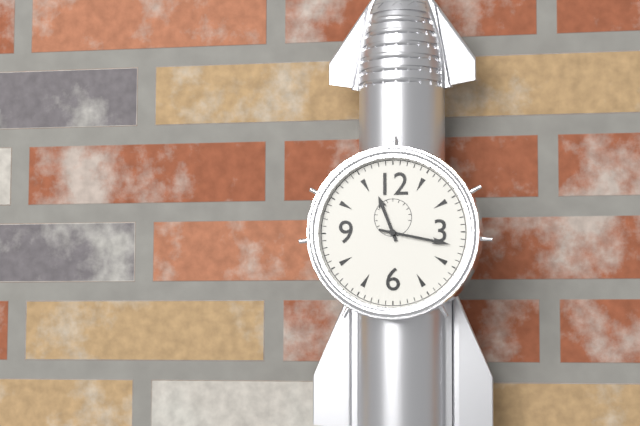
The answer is 11:17
